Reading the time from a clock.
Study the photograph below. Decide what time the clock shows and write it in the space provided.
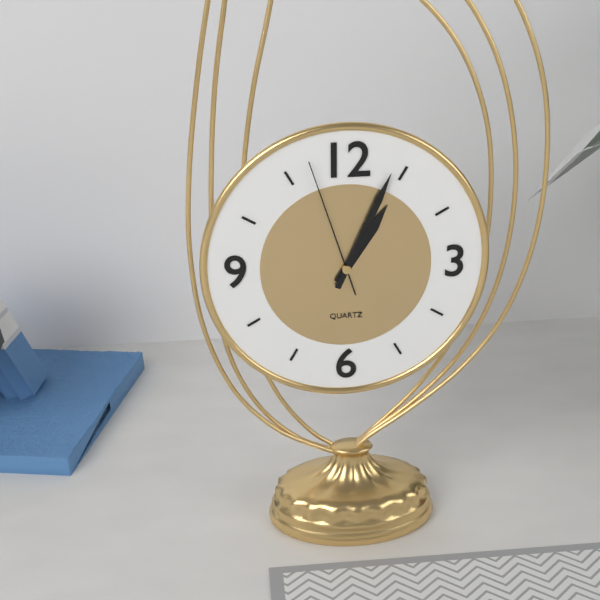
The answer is 1:04:57
